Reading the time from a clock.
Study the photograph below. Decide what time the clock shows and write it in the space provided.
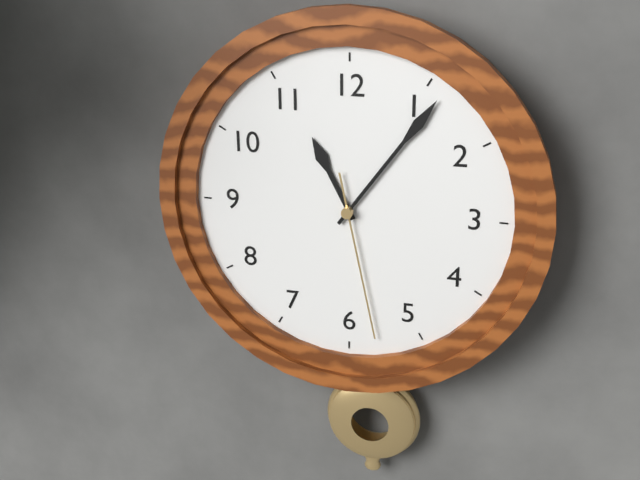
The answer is 11:06:28
